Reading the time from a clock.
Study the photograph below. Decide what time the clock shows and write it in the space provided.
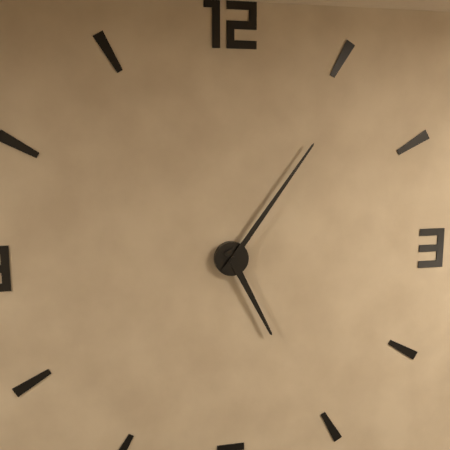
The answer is 5:06
